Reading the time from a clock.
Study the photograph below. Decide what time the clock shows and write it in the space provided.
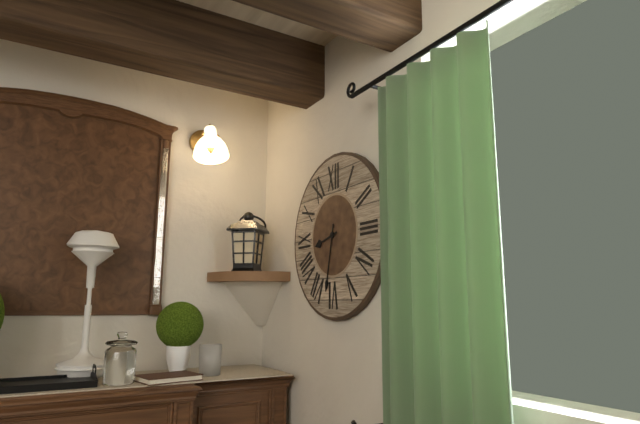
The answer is 8:32
